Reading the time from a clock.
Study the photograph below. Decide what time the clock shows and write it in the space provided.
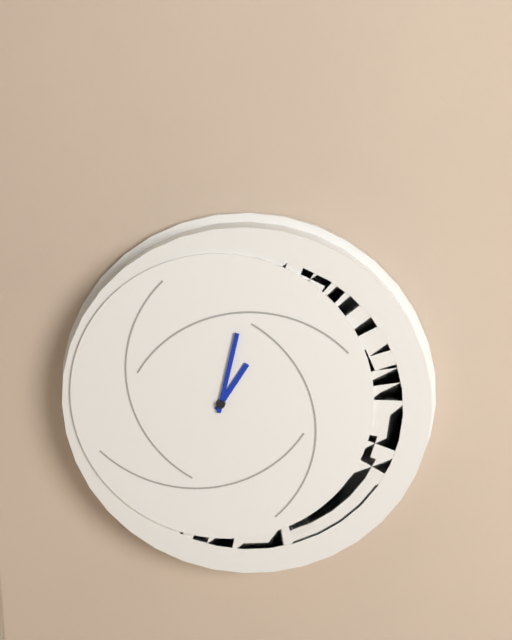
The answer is 1:02
